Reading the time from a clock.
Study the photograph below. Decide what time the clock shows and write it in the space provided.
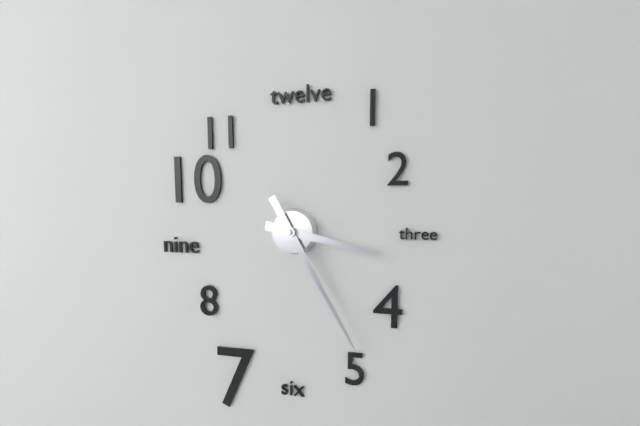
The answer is 3:25
